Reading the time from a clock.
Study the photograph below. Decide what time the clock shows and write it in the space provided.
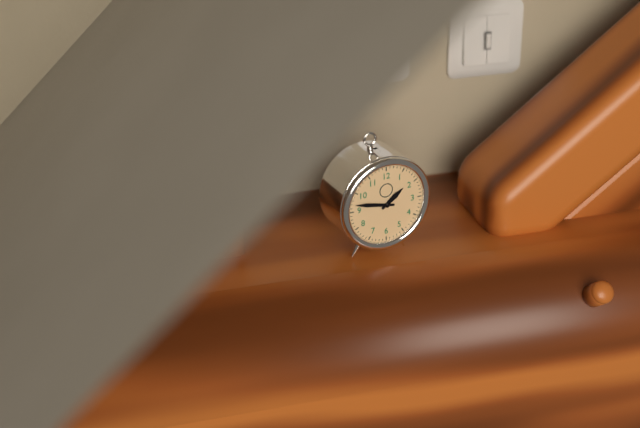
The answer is 1:47
